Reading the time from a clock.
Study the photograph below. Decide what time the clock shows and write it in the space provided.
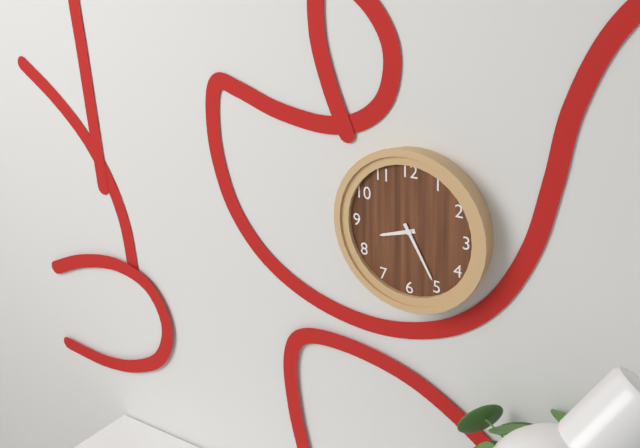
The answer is 8:25
